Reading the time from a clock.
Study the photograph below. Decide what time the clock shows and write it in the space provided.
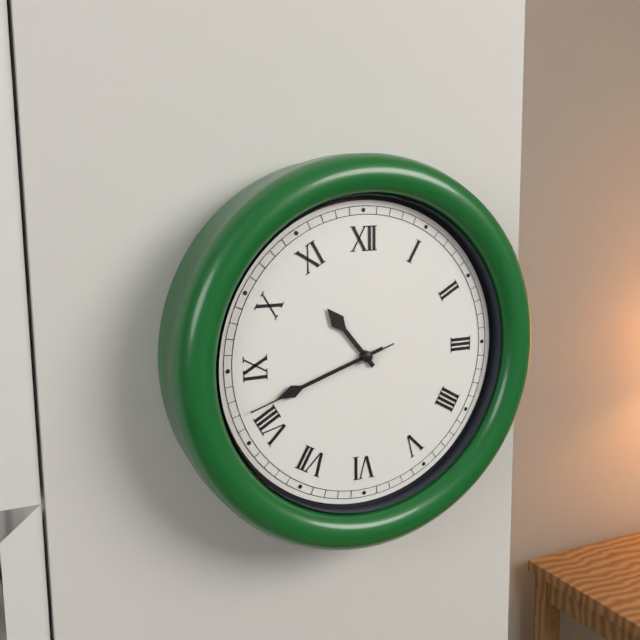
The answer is 10:42:42
